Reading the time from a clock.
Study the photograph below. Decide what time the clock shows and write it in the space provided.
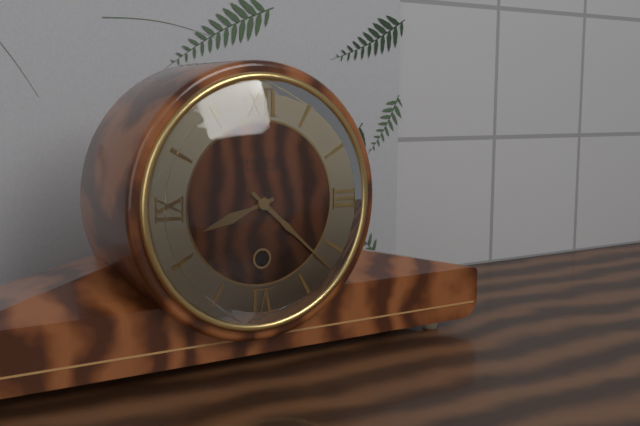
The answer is 8:22
